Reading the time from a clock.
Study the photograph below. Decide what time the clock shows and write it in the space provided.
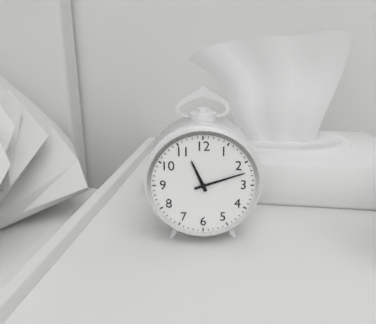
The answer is 11:12
